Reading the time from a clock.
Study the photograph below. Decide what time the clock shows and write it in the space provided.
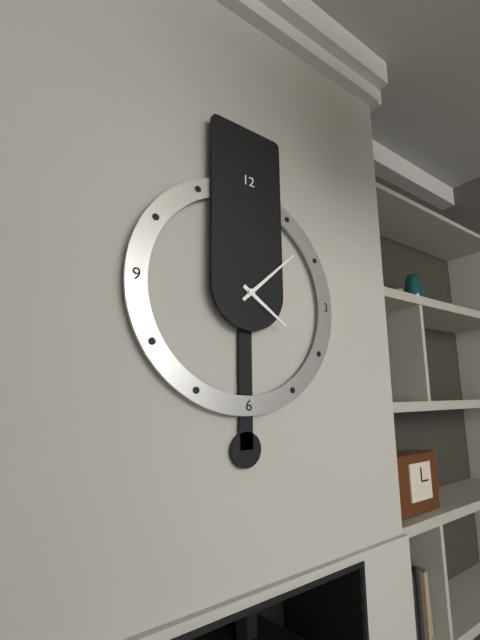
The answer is 4:08
